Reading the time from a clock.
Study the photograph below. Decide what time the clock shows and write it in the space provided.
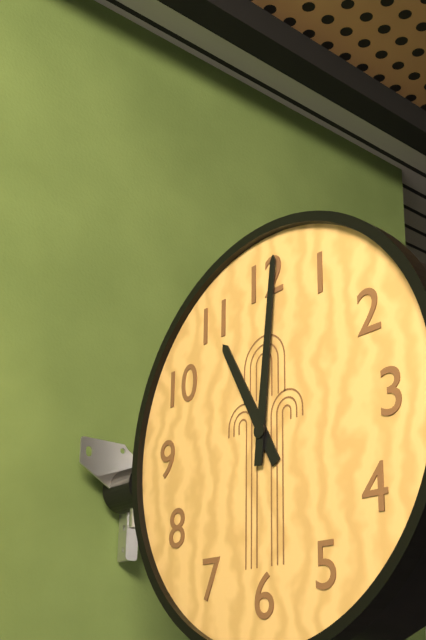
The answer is 11:01
